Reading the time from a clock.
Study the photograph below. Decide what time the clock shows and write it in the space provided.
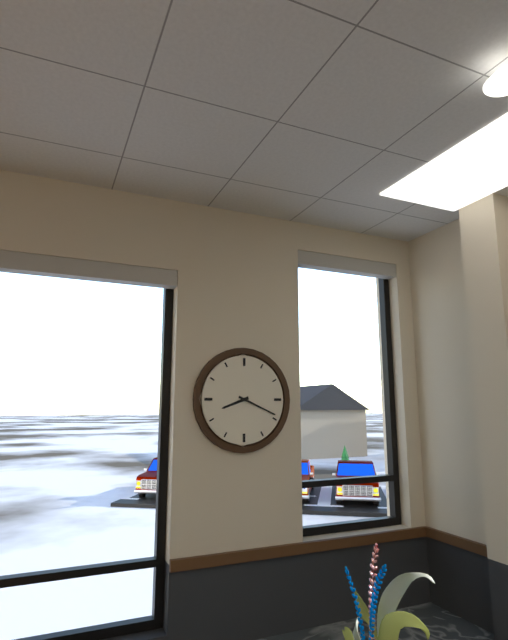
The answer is 8:19
